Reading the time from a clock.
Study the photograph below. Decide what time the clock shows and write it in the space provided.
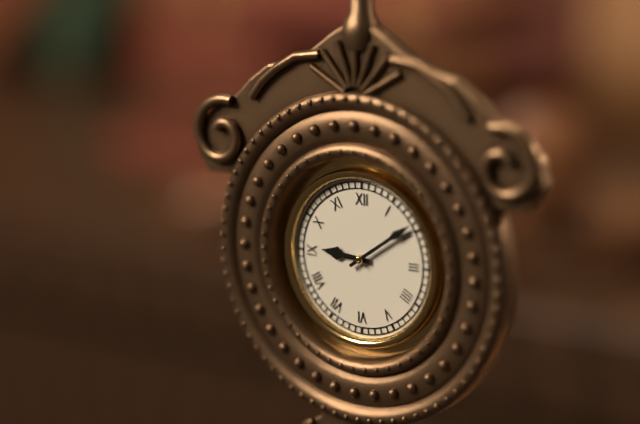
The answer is 9:09
